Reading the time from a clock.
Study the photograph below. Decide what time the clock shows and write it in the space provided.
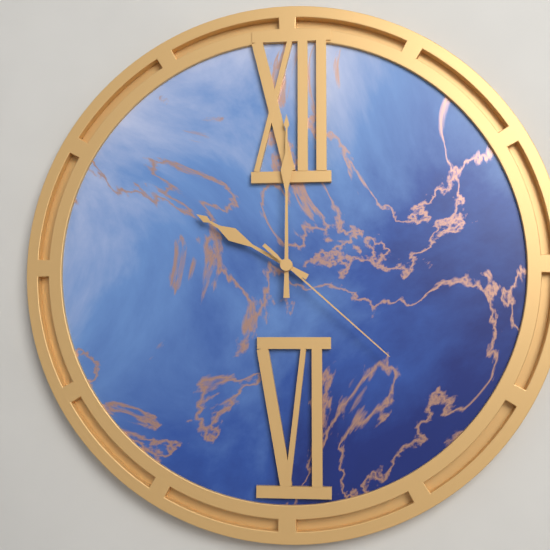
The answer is 10:00:22
